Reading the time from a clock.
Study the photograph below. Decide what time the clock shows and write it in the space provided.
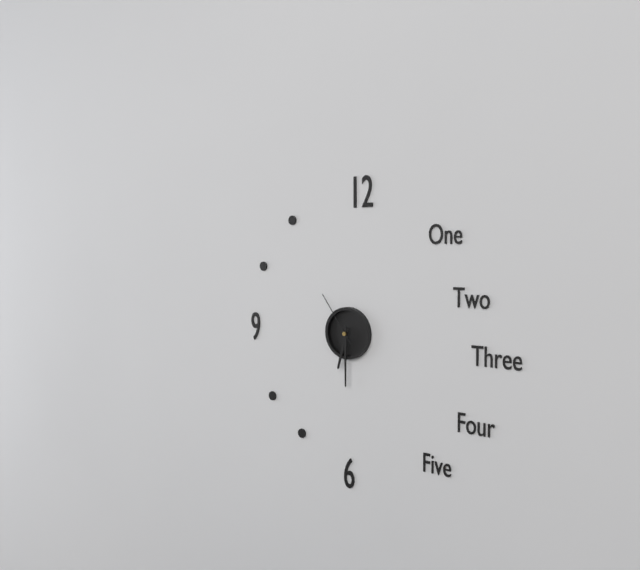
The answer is 6:30:54
